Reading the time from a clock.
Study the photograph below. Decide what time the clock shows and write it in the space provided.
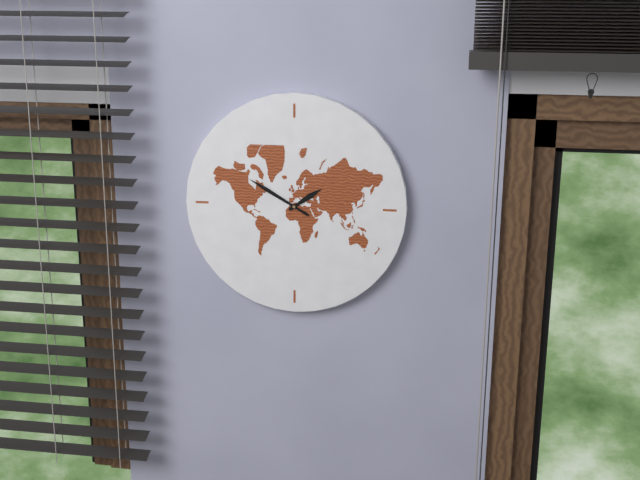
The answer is 1:50
